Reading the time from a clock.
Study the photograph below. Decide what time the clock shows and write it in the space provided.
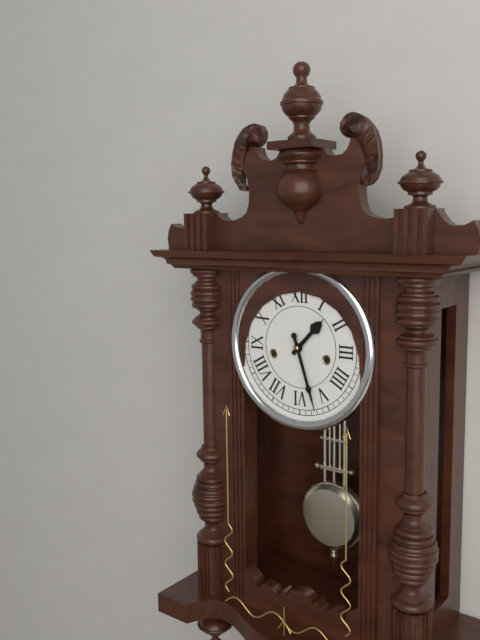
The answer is 1:27
